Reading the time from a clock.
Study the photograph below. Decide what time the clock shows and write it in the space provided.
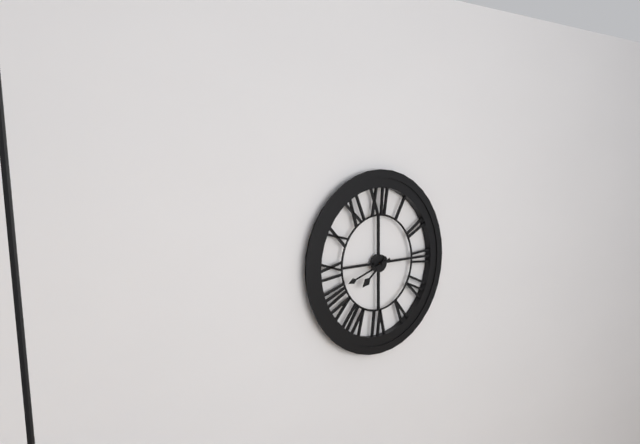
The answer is 7:42
